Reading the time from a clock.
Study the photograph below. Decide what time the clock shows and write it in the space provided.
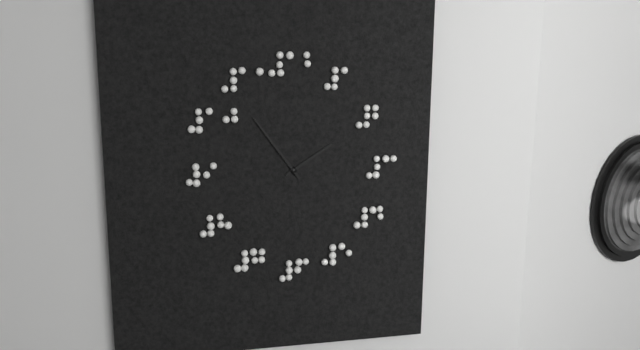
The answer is 1:54
